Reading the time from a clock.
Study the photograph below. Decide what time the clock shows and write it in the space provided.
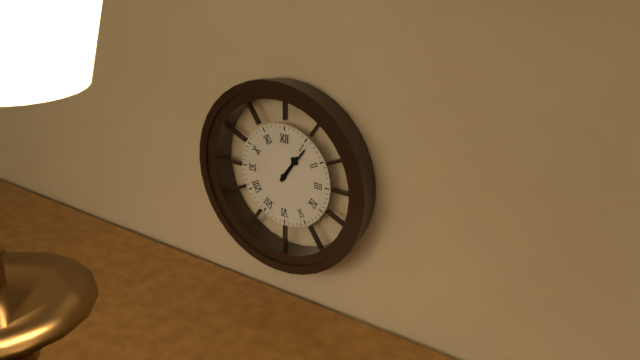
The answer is 1:06
